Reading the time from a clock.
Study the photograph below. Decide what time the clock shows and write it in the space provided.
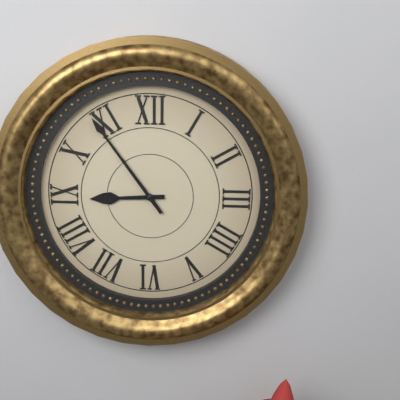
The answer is 8:54
